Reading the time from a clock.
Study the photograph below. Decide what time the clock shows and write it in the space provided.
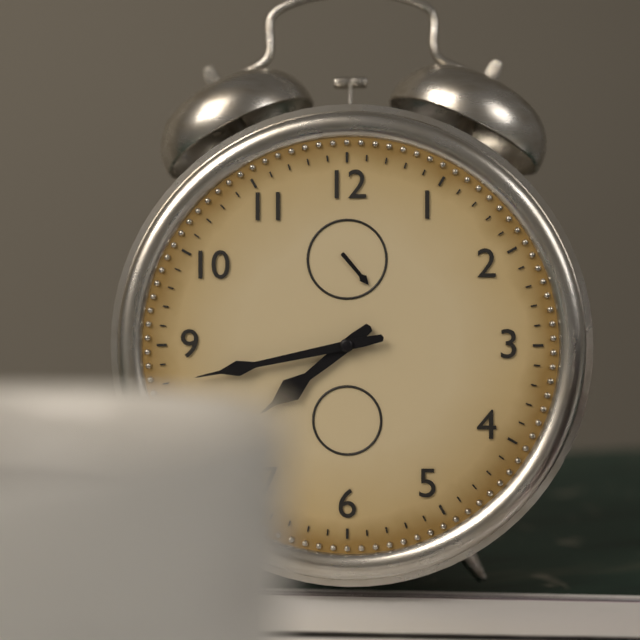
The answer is 7:43
